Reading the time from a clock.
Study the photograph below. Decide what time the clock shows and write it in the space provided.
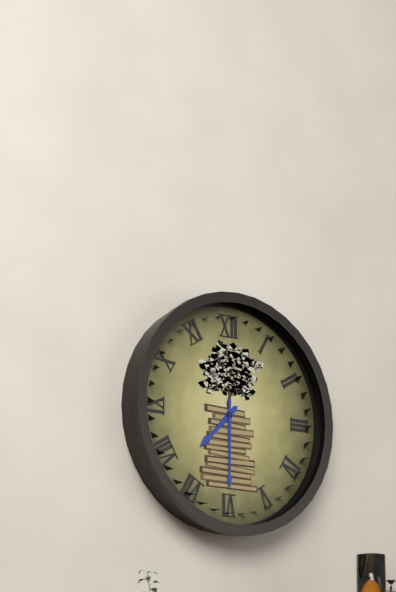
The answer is 7:30
